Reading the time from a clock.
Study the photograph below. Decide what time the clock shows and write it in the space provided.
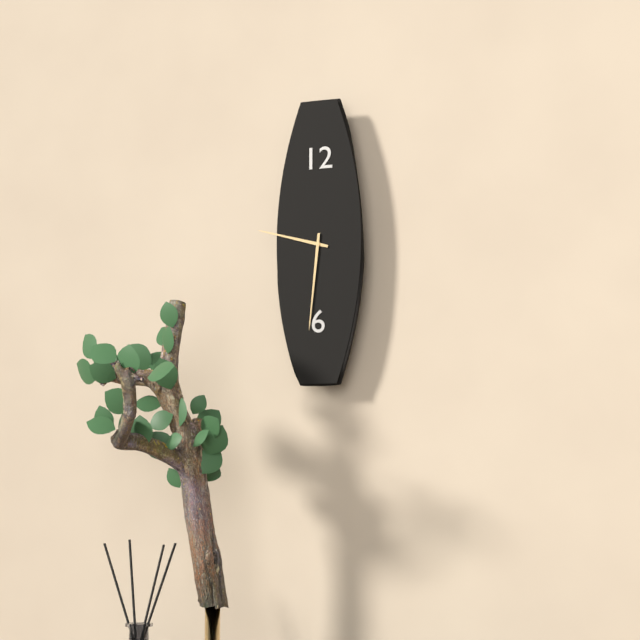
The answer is 9:31
